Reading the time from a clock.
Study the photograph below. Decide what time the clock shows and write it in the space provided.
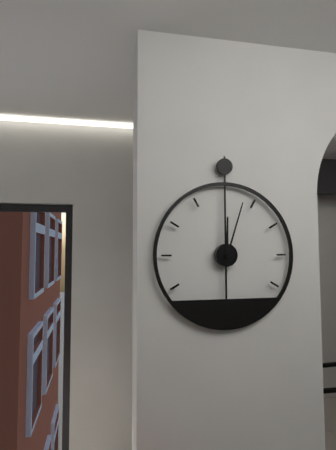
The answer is 12:03
